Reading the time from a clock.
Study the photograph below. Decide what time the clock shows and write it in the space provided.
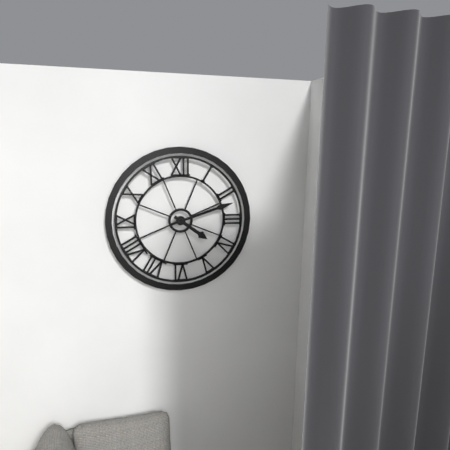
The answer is 4:12
